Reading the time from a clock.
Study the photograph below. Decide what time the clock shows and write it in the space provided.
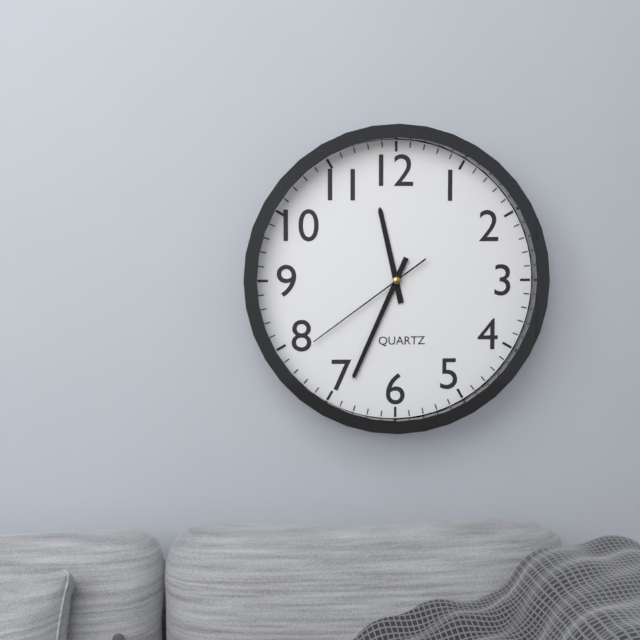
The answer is 11:34:39
